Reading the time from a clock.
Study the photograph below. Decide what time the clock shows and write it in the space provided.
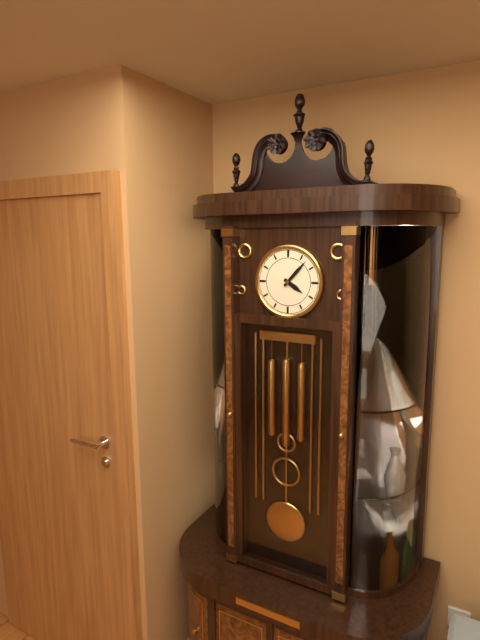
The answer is 4:07
